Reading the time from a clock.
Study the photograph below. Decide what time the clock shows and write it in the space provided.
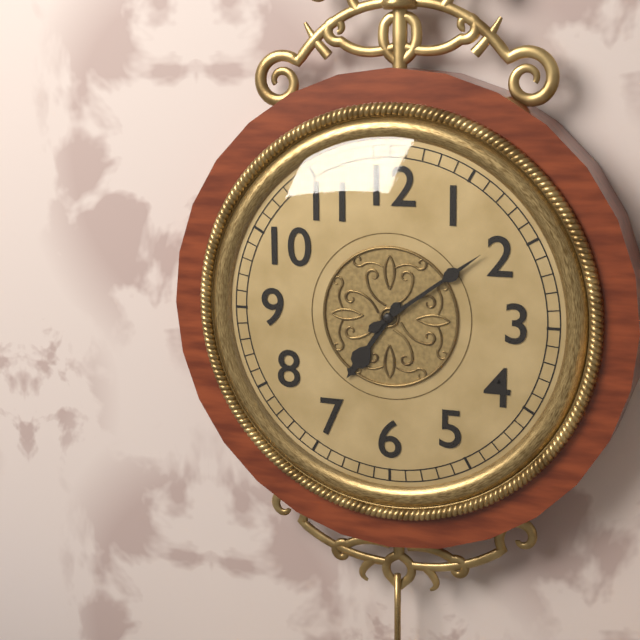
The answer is 7:09
